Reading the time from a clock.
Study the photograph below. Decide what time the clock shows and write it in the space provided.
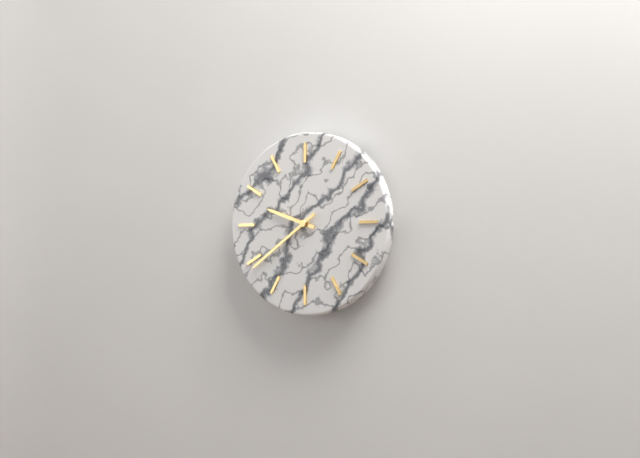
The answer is 9:39
